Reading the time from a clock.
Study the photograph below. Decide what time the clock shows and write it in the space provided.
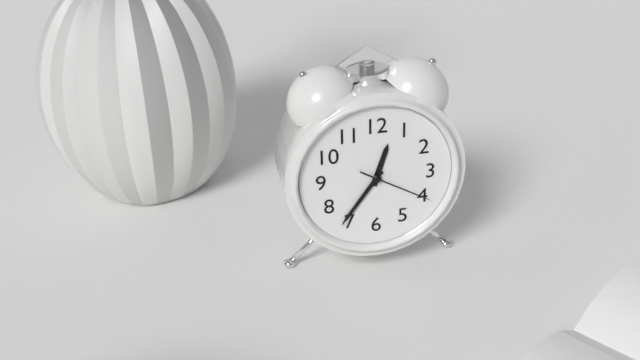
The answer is 12:36:20
